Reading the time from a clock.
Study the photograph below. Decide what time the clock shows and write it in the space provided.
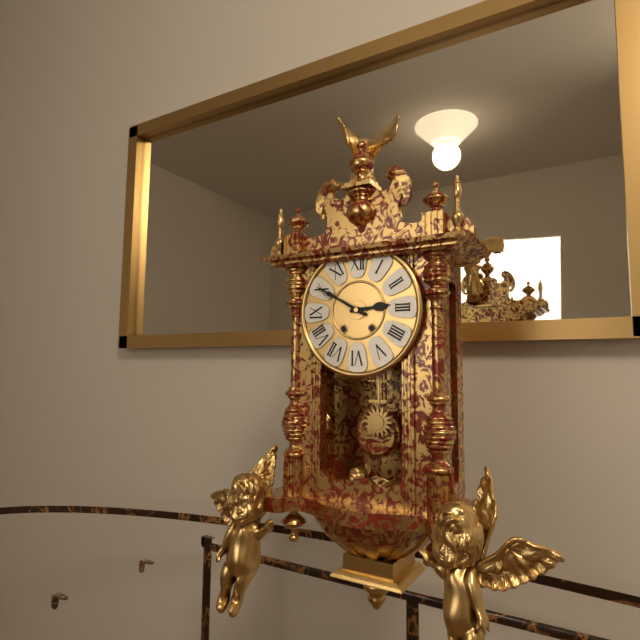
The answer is 2:50
